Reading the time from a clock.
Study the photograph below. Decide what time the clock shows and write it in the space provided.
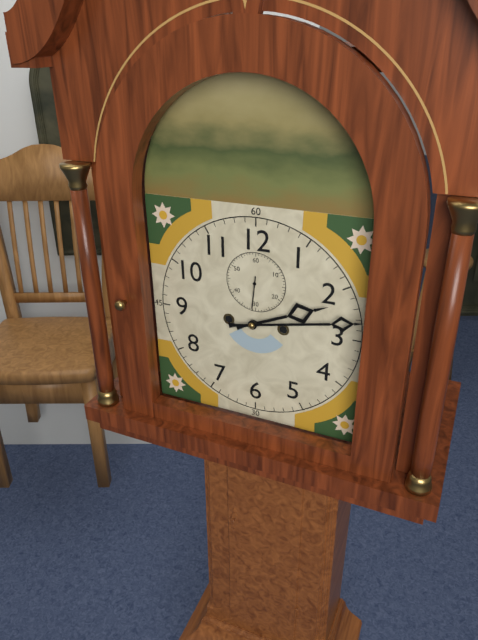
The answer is 2:13
